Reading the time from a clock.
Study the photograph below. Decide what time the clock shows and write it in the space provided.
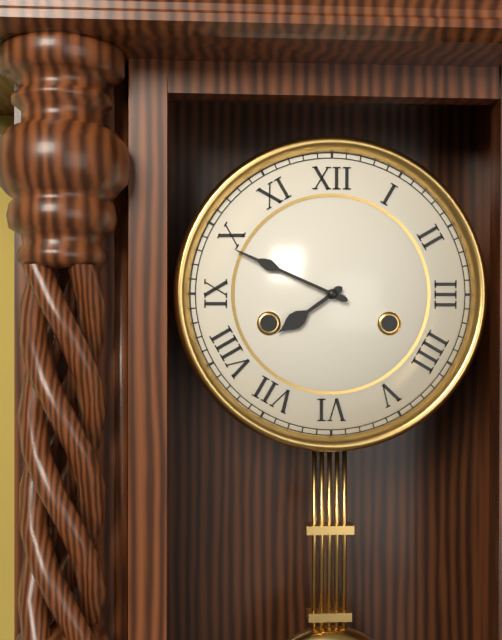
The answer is 7:49
